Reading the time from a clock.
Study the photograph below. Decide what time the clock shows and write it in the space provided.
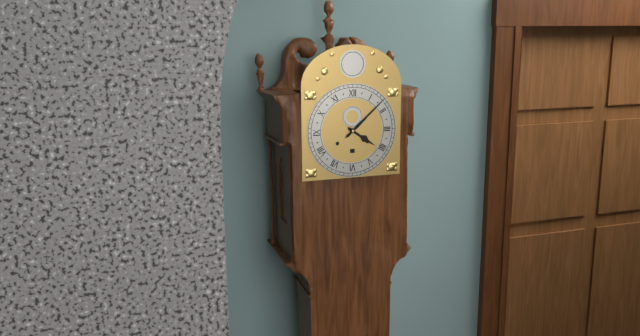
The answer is 4:08
